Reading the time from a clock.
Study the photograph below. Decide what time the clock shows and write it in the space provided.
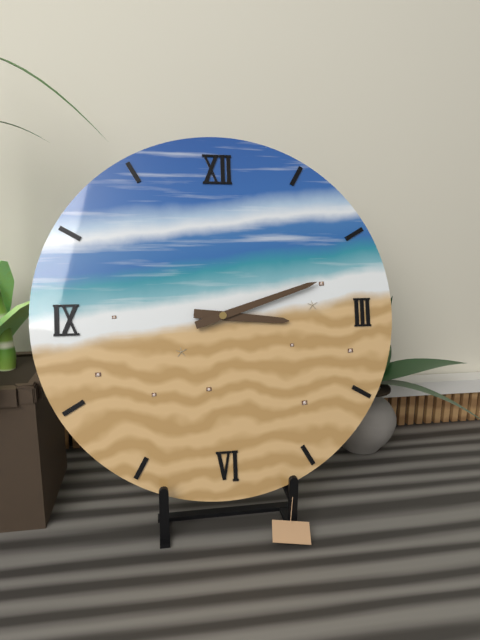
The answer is 3:12
